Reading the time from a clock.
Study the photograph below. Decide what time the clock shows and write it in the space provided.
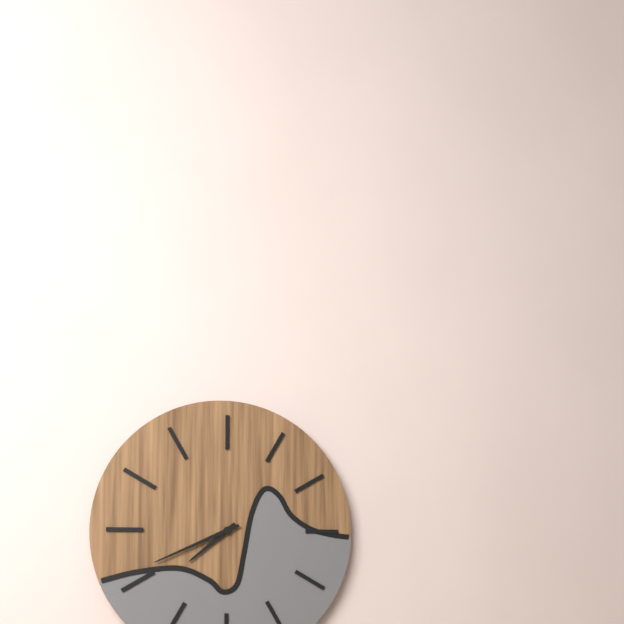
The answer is 7:41
